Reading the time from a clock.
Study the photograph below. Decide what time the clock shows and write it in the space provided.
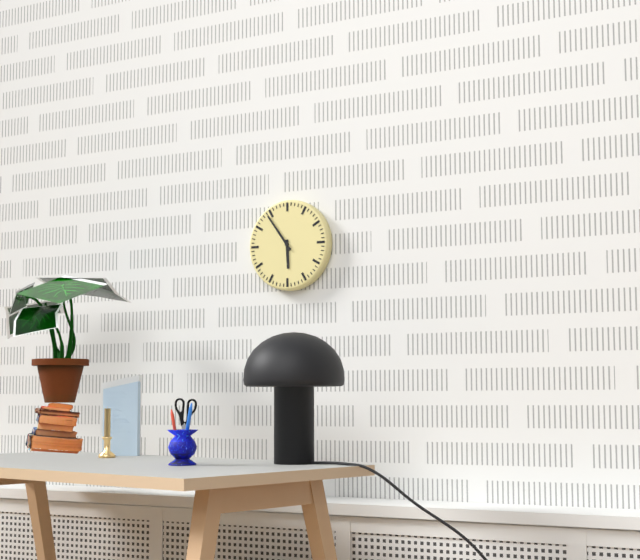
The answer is 5:54
